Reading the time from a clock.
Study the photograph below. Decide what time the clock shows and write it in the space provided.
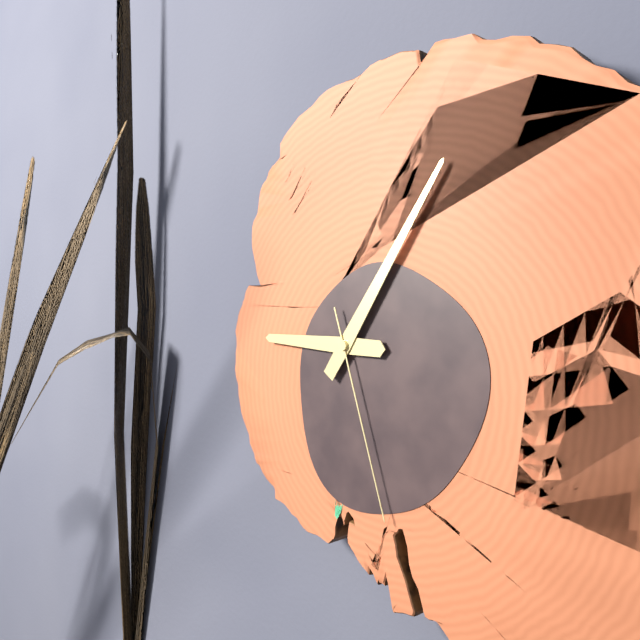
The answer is 9:06:27
